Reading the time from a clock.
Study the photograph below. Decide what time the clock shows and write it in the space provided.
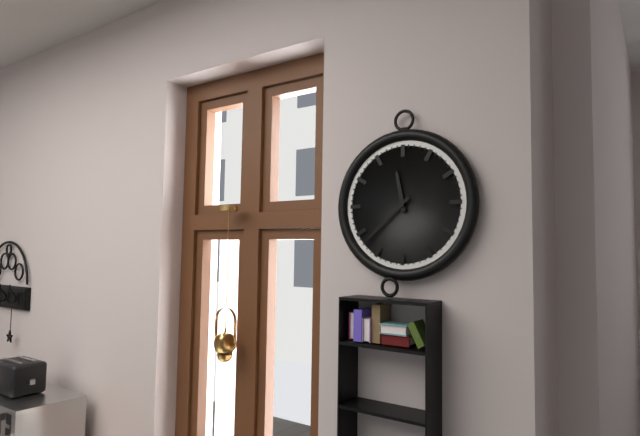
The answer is 11:38
